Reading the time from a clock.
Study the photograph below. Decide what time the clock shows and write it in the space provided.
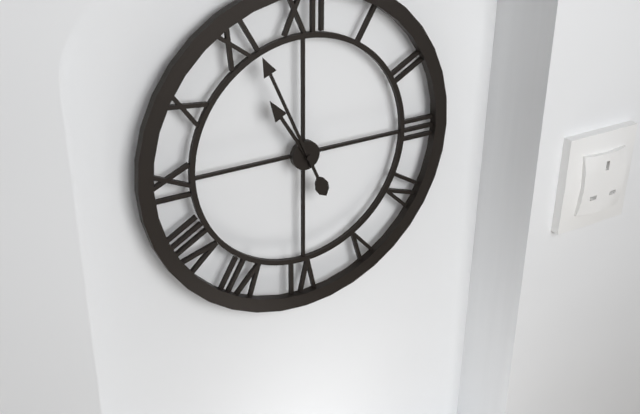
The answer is 10:56
